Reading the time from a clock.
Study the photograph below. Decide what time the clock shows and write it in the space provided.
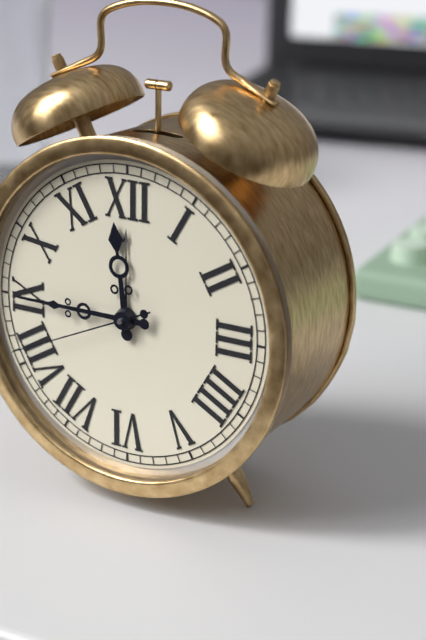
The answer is 11:45:41
